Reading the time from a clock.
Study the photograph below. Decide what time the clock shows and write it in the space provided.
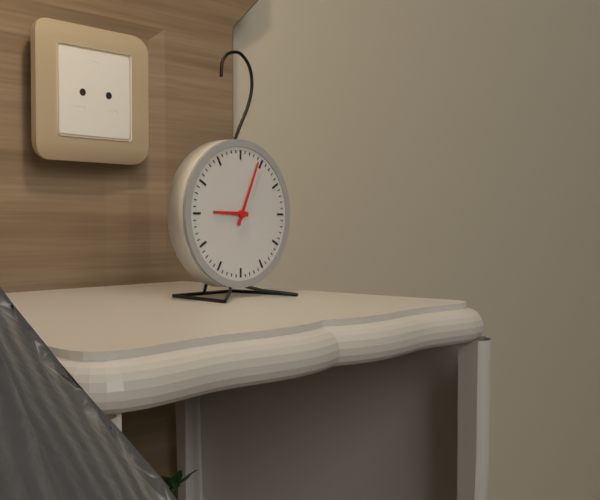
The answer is 9:04
